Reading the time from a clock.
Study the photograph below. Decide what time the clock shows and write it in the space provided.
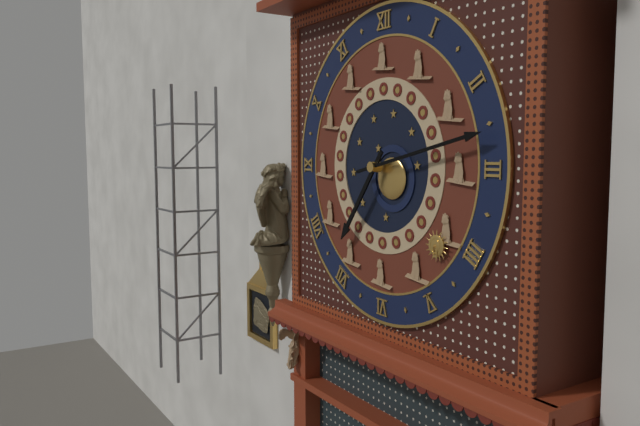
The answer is 7:13
